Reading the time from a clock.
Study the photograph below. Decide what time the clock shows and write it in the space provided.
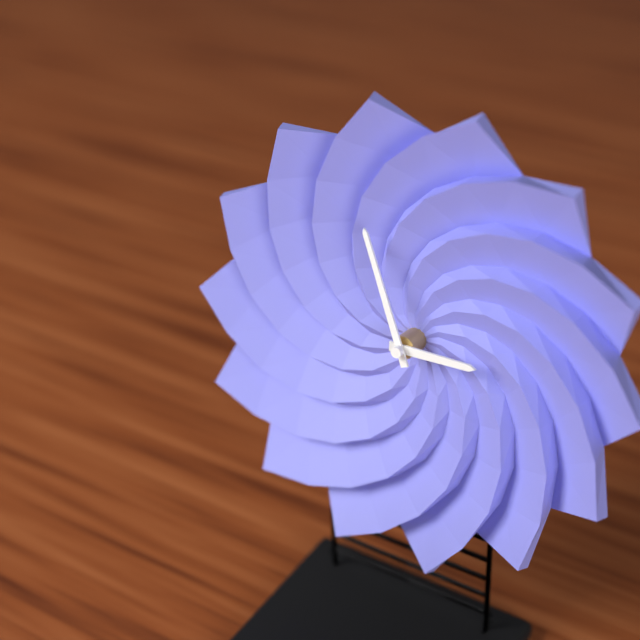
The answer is 2:56
